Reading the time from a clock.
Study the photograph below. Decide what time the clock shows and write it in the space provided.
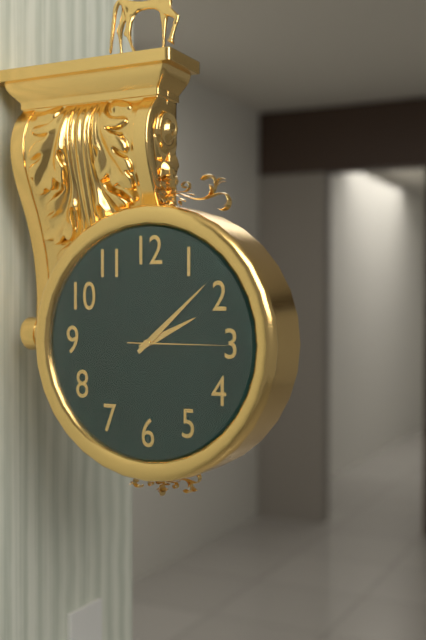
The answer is 2:08:15
